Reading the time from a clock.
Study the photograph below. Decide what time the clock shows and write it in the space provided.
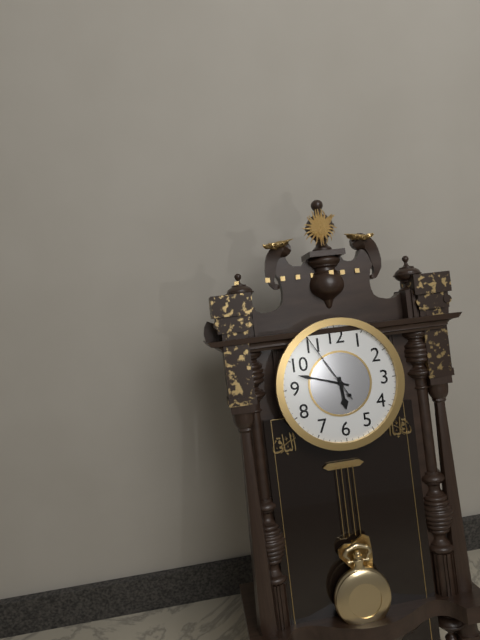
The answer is 5:48:55
